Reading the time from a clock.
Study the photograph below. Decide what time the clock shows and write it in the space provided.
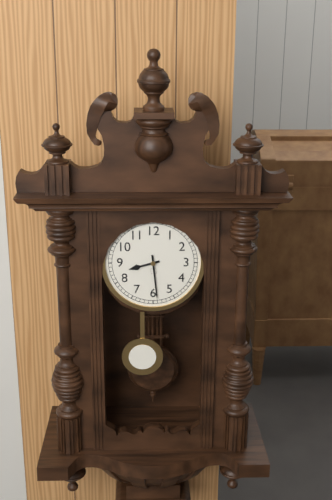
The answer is 8:29
